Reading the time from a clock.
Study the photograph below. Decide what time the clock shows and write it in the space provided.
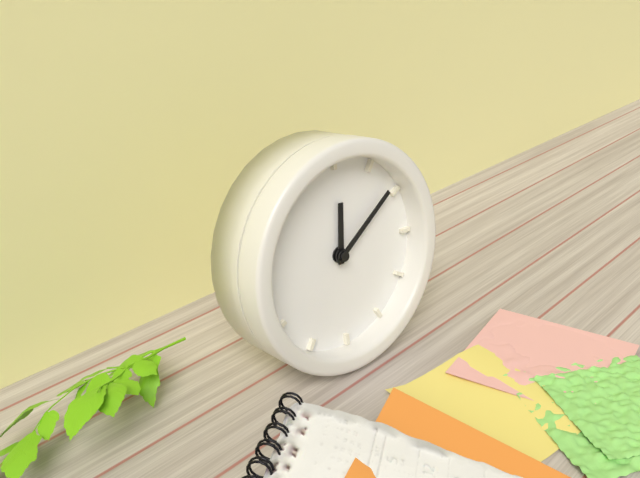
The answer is 12:09
